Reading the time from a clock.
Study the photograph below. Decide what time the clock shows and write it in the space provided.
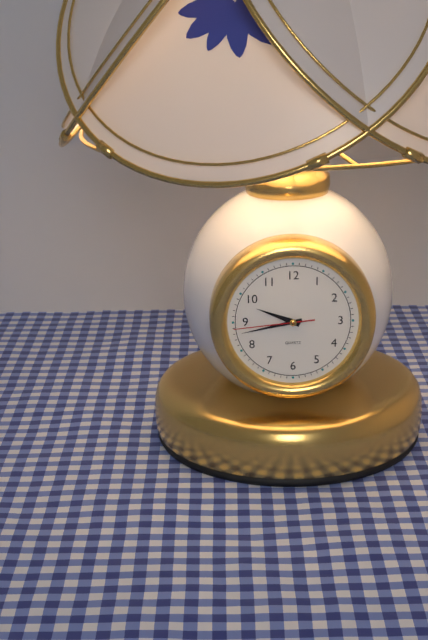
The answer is 9:43:44
